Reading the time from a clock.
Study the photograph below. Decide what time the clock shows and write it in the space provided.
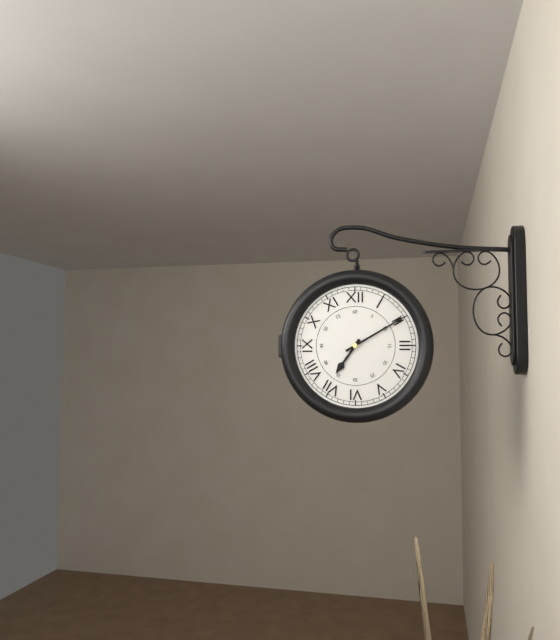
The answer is 7:10
